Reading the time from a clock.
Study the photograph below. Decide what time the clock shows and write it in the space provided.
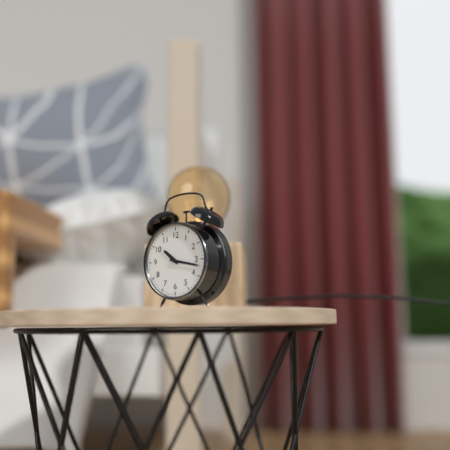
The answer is 10:17
